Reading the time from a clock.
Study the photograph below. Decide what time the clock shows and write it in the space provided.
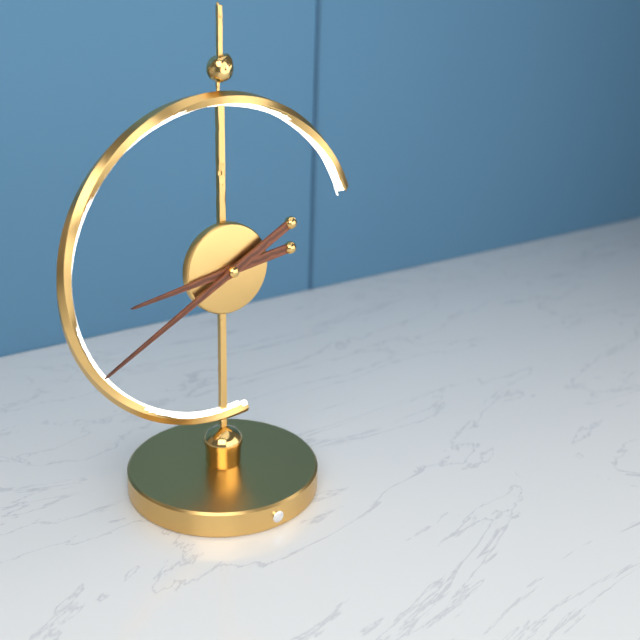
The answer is 8:40
